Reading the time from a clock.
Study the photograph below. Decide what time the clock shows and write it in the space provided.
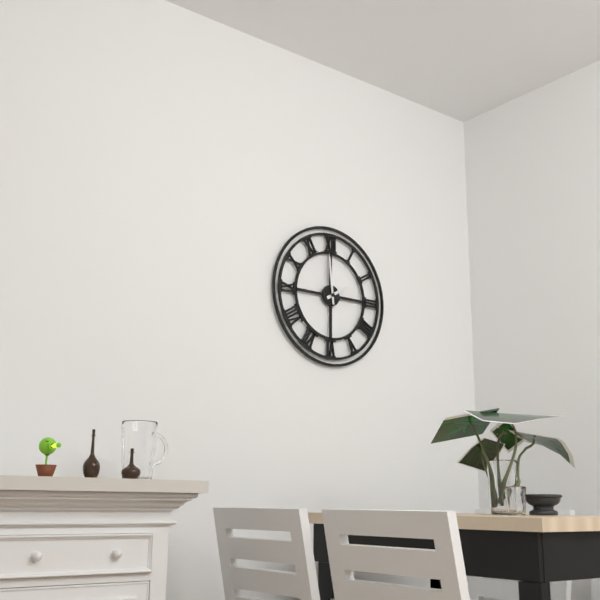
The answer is 1:59
